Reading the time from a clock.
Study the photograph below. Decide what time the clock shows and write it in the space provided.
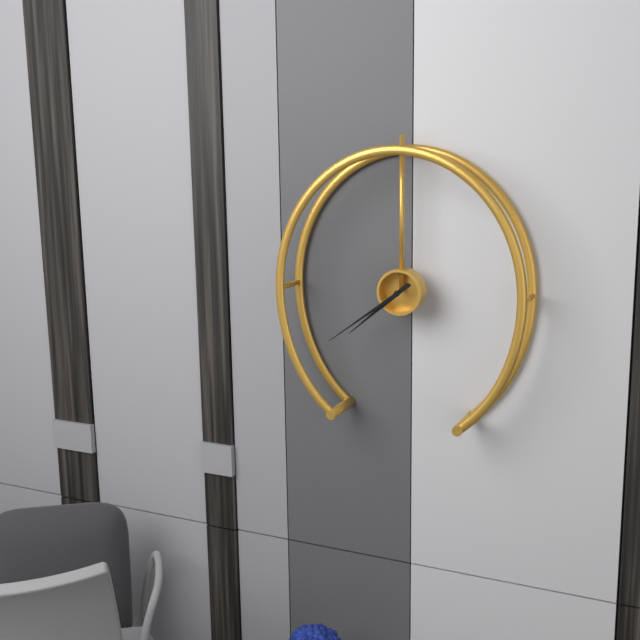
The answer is 7:39
